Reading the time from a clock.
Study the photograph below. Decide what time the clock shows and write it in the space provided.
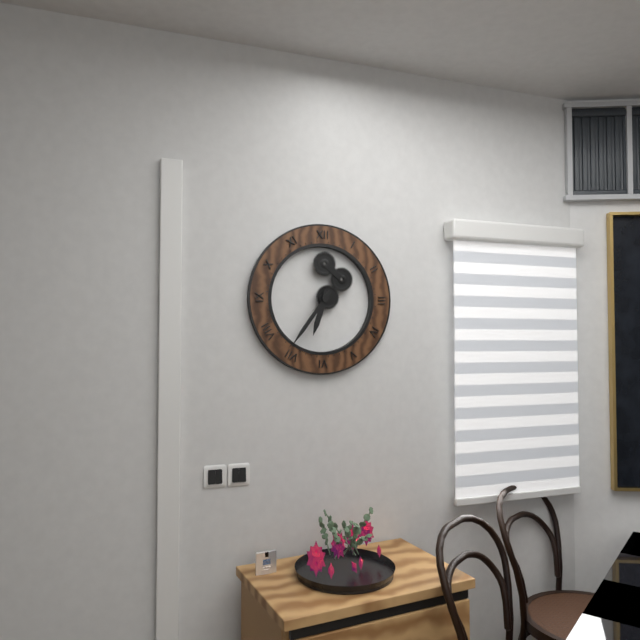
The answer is 6:36
